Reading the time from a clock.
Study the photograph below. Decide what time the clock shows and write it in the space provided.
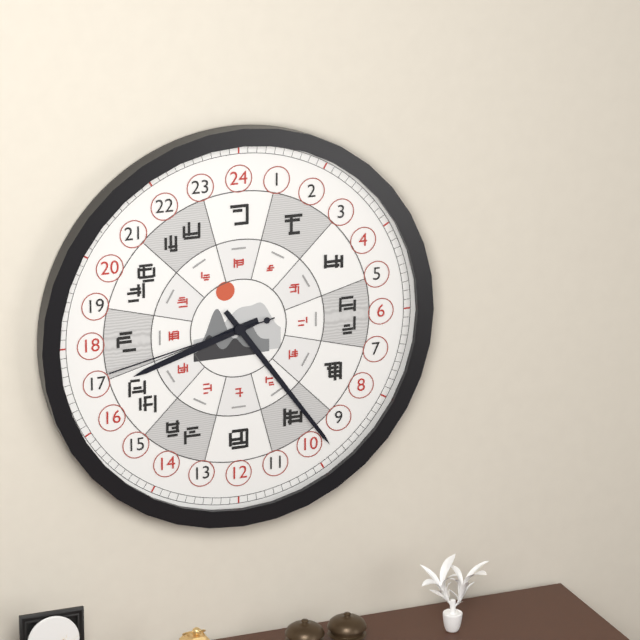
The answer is 8:24:43
